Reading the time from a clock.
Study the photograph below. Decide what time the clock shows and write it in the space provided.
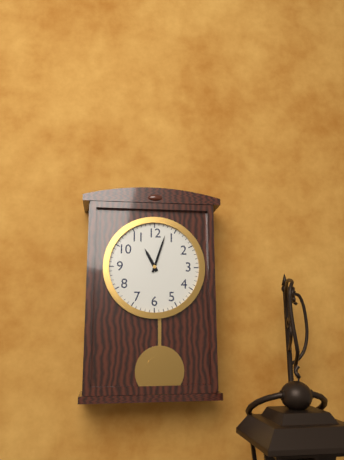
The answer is 11:03
